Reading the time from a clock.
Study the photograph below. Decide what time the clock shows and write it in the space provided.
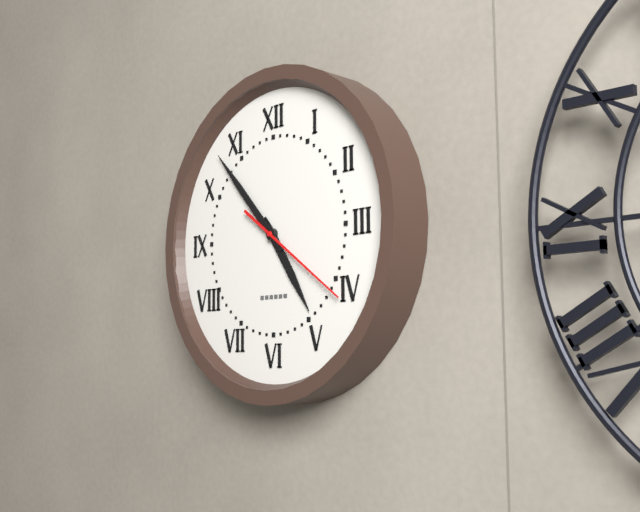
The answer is 4:53:21
